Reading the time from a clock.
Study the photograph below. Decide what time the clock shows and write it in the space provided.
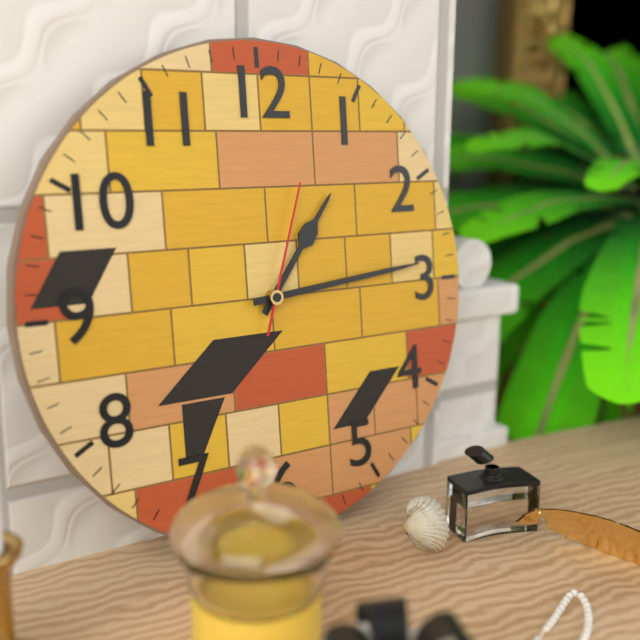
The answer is 1:14:03
